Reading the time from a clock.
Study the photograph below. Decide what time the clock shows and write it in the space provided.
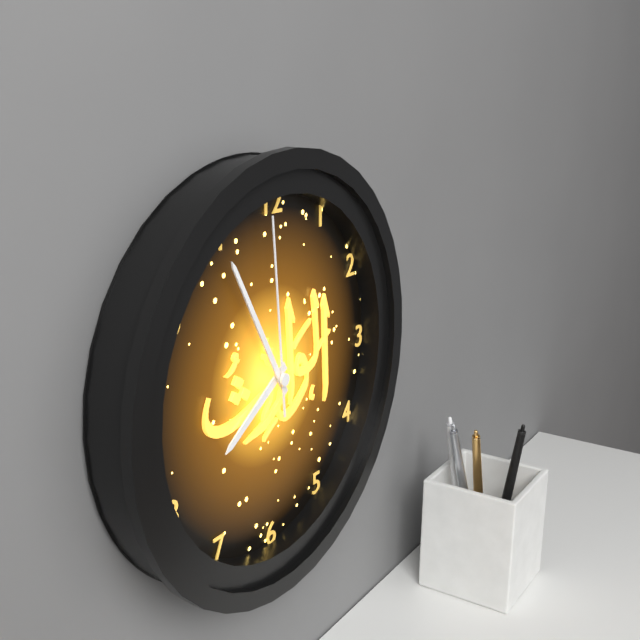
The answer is 7:55:59
